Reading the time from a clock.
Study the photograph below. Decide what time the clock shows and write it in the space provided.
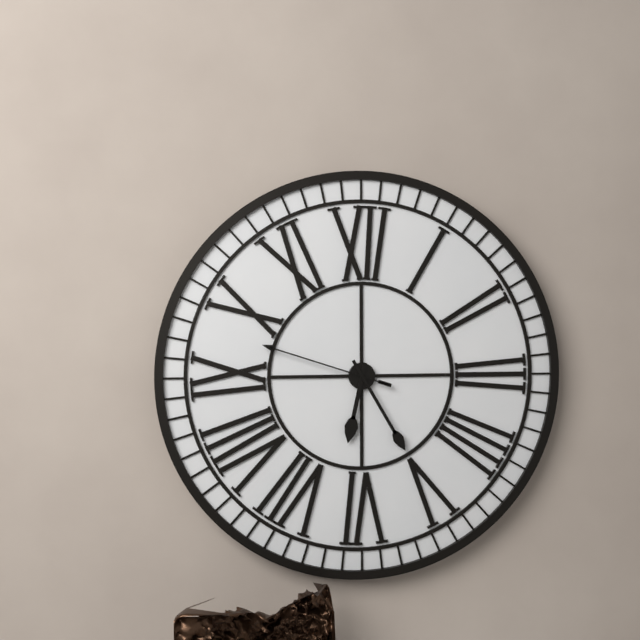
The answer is 6:25:48
